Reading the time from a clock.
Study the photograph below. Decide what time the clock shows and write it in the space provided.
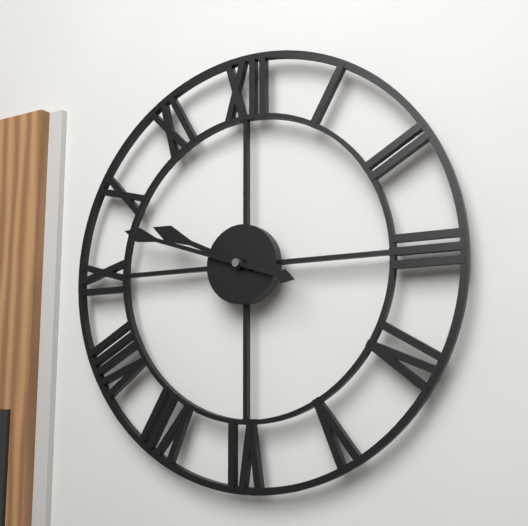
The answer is 9:48
